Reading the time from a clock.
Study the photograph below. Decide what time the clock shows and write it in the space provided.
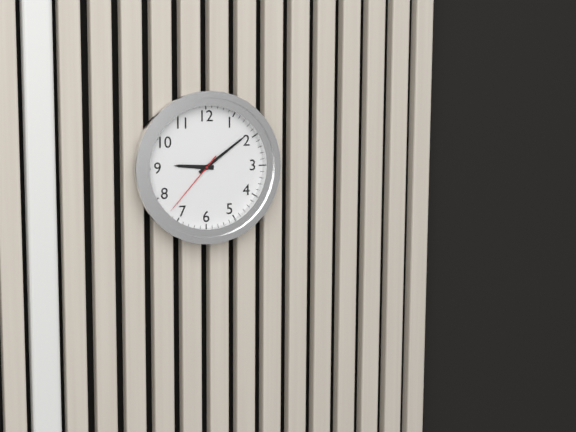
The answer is 9:09:37
